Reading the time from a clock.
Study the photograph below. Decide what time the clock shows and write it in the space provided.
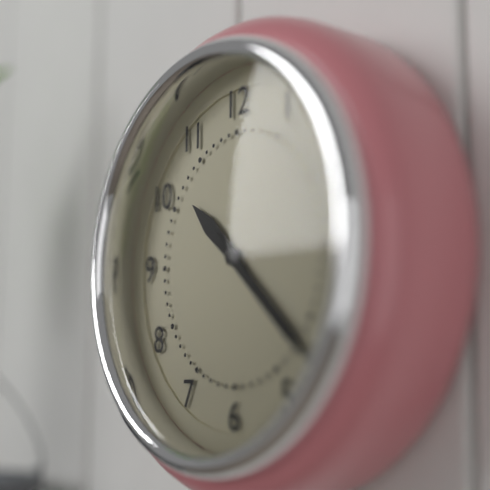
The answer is 10:22
